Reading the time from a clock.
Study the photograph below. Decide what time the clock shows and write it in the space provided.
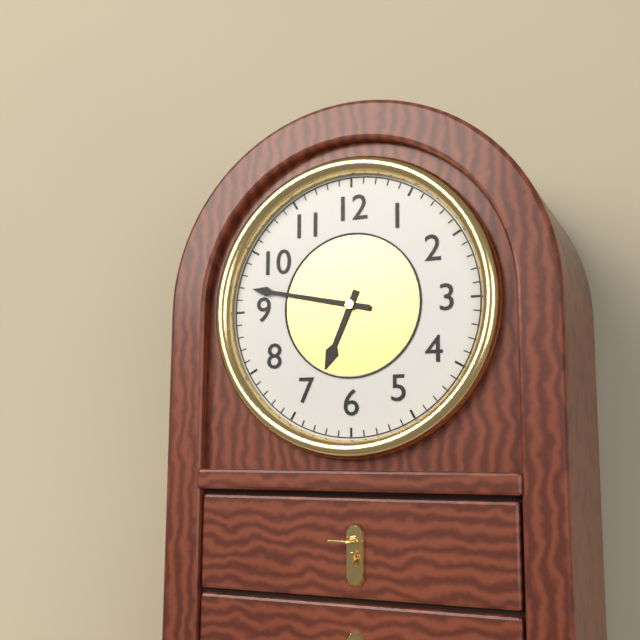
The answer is 6:47
